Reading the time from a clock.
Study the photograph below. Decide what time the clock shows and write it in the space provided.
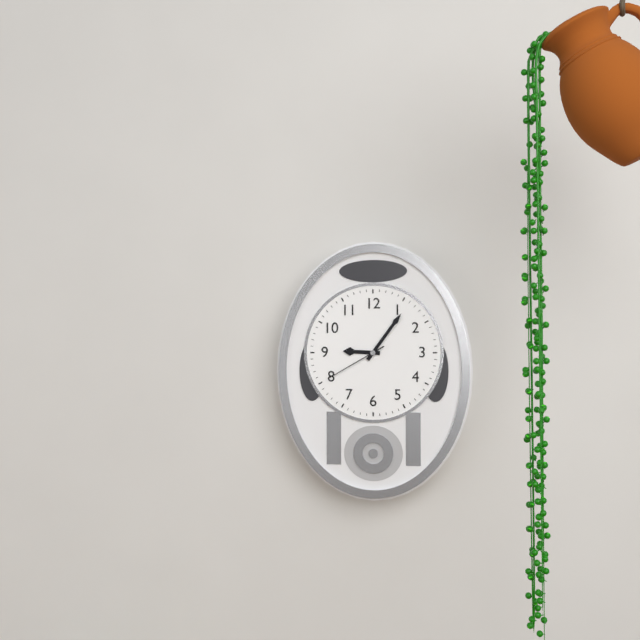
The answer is 9:06:40
